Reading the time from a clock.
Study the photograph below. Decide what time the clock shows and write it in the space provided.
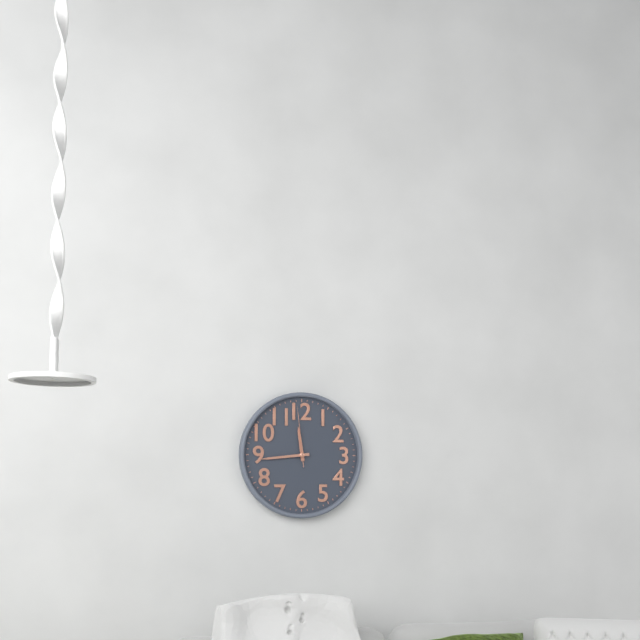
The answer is 11:44:59
